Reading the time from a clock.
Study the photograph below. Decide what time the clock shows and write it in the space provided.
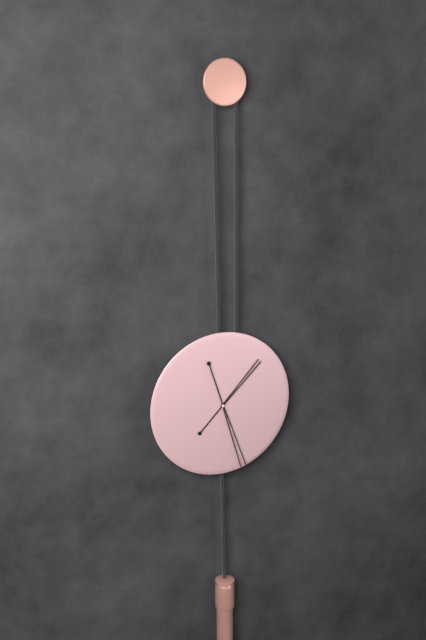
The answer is 1:27
